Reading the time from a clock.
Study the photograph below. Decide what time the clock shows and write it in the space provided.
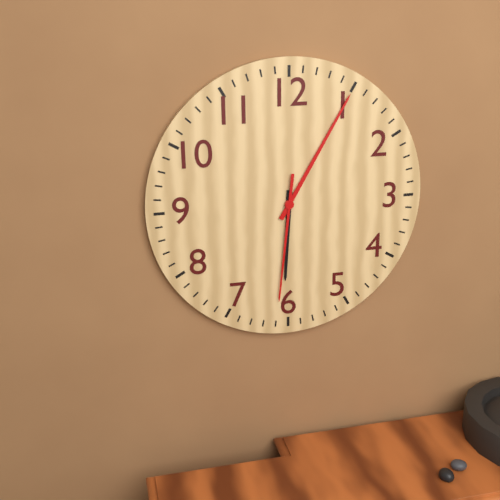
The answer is 6:05:31
